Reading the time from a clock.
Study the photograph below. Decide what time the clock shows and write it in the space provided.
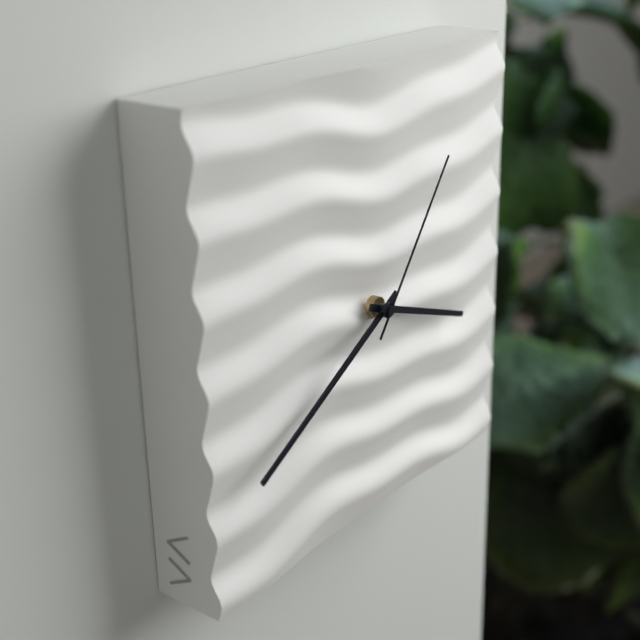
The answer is 3:40:06
